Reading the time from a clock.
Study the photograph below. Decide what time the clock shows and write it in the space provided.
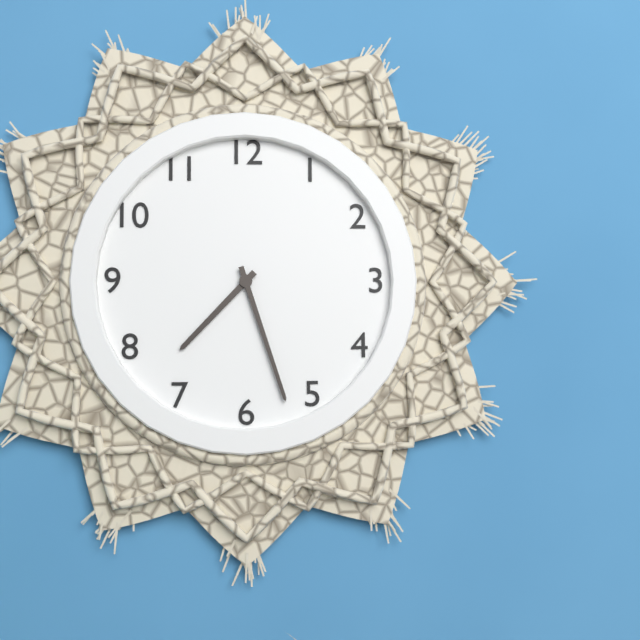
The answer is 7:27
